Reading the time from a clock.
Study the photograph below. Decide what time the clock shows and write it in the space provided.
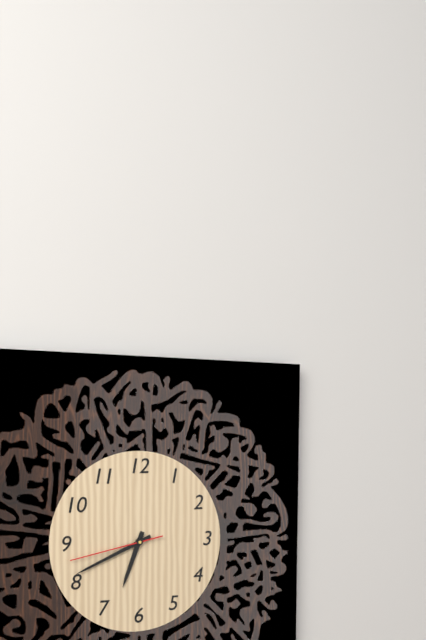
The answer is 6:41:43
